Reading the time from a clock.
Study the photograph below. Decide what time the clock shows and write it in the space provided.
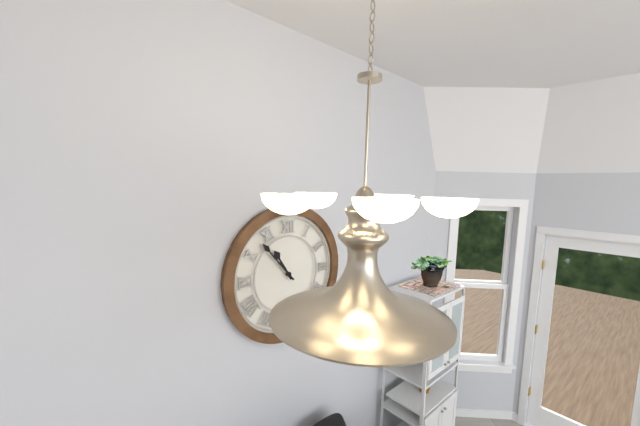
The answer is 10:53
